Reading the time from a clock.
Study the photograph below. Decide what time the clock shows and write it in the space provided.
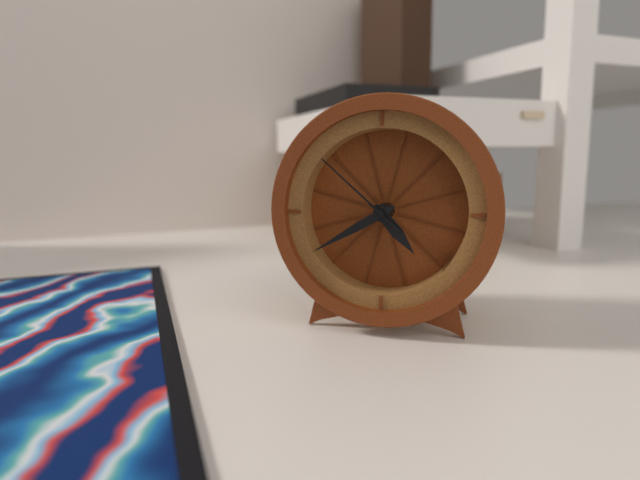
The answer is 4:40:52
